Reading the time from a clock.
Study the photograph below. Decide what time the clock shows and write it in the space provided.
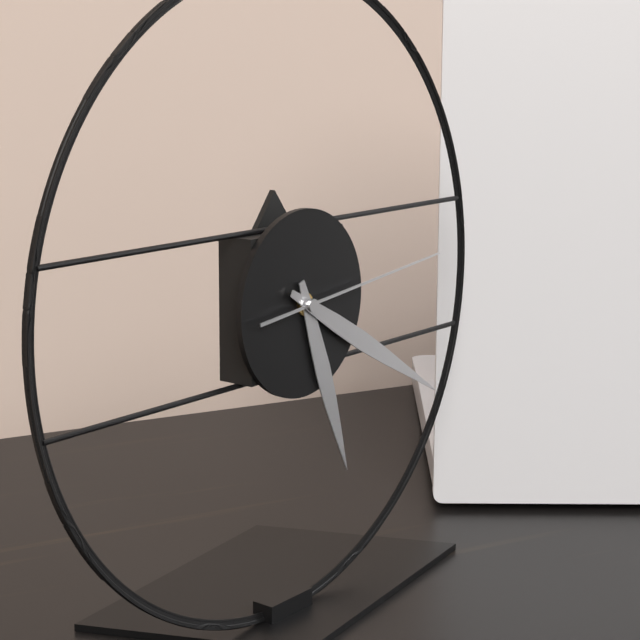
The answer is 5:20:14
